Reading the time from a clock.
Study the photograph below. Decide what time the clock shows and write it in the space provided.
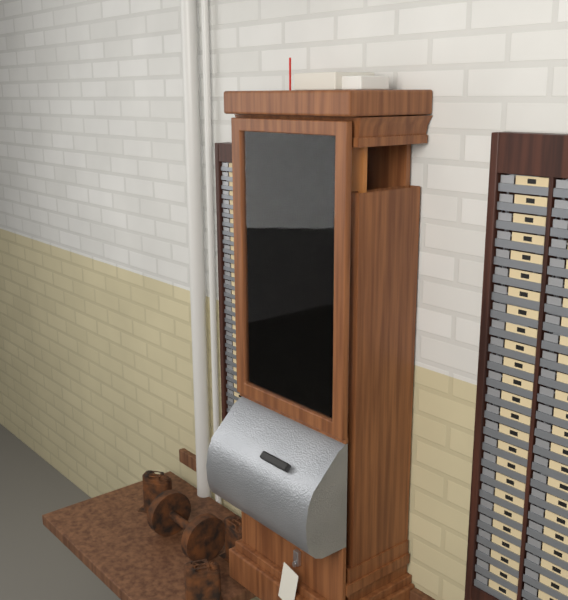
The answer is 2:12
